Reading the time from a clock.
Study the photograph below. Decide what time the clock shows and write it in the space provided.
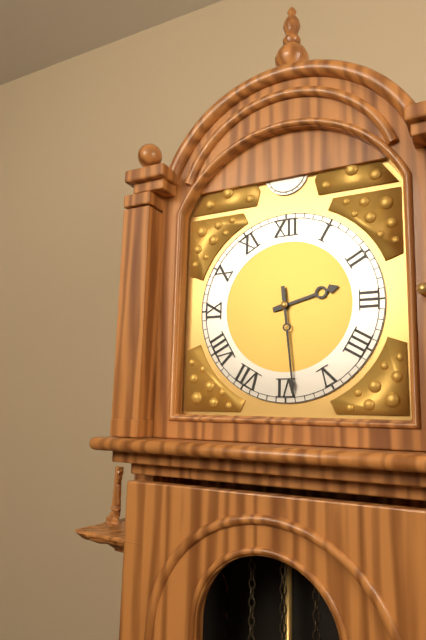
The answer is 2:29
